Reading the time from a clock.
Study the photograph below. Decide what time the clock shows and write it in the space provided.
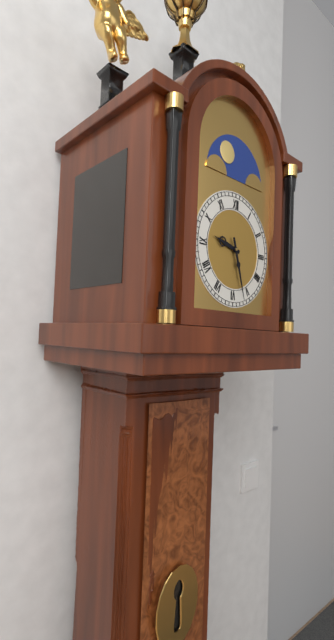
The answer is 9:27
